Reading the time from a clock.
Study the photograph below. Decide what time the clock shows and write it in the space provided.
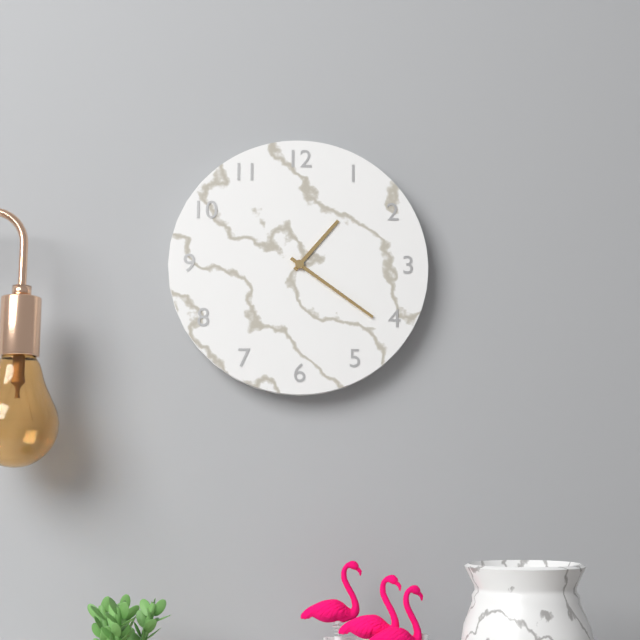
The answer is 1:21
